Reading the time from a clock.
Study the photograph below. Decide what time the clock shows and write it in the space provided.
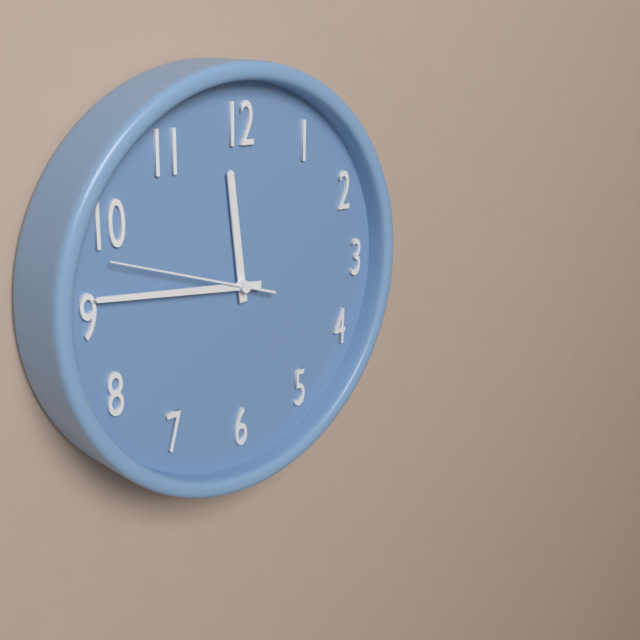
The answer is 11:46:48
